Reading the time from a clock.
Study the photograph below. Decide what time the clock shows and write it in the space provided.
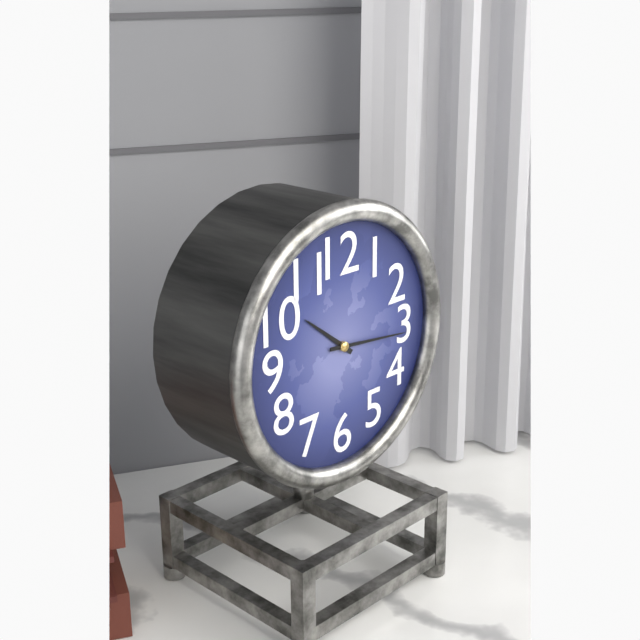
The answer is 10:16
